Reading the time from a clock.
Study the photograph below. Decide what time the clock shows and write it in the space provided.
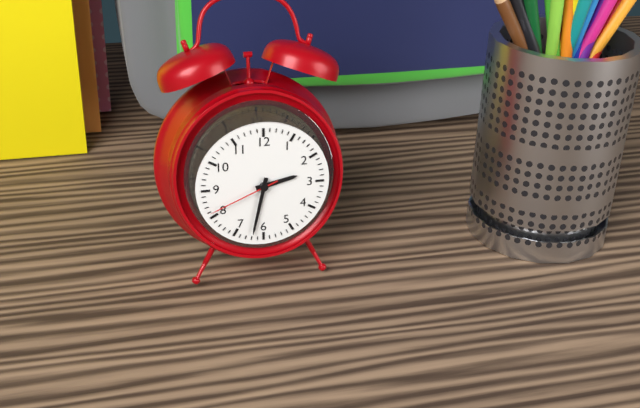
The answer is 2:32:41
